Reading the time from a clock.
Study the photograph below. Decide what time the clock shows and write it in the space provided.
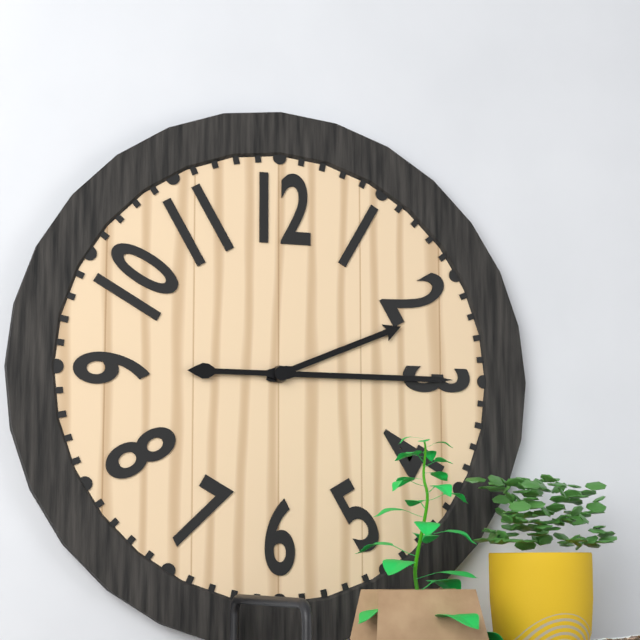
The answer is 2:15
